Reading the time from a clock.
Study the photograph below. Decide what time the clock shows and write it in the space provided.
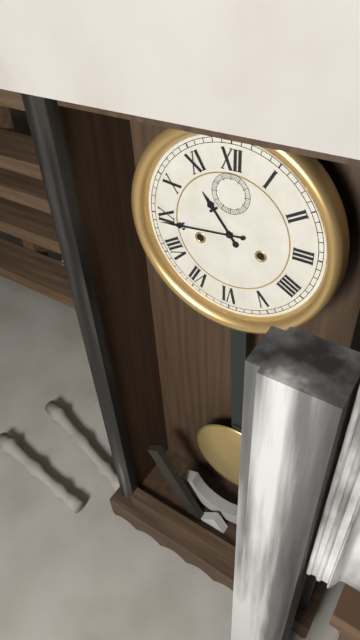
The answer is 10:44
